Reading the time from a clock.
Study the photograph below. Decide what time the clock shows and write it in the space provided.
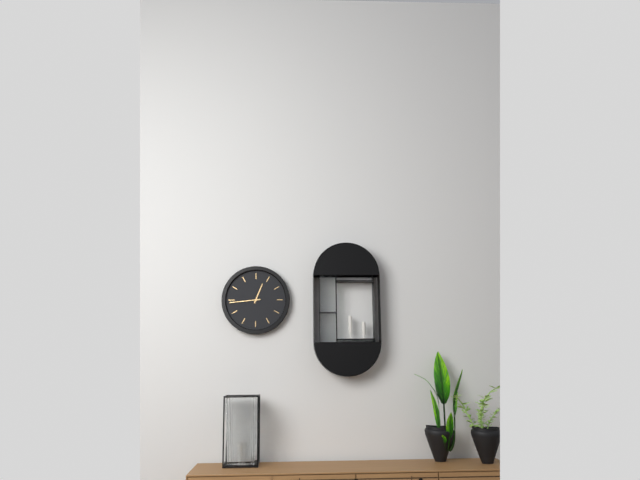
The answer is 12:44
